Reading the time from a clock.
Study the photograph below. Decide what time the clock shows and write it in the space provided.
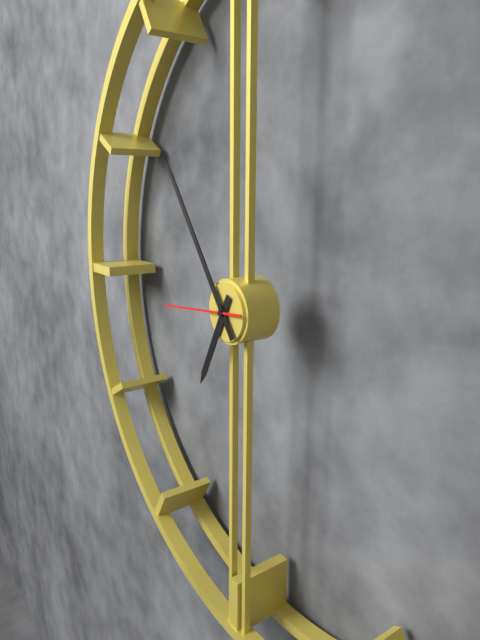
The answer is 6:54:44
